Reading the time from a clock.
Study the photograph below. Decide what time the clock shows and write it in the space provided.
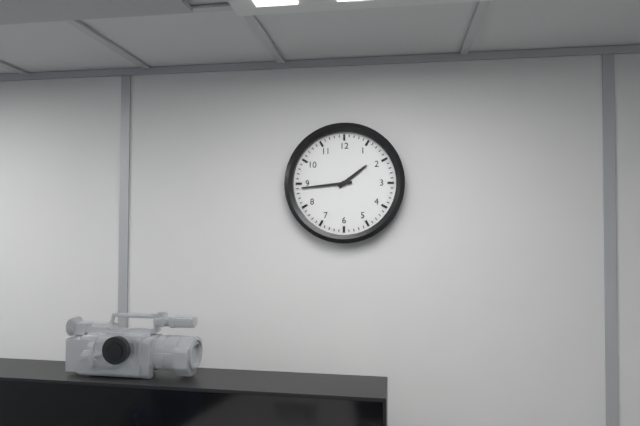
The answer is 1:44
